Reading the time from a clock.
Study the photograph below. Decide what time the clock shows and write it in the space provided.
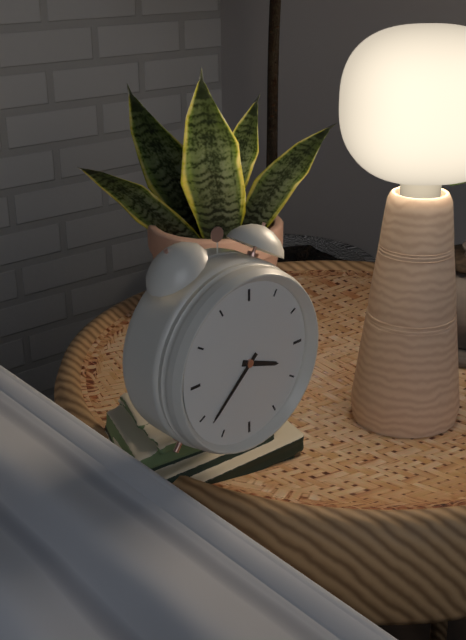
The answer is 3:38
